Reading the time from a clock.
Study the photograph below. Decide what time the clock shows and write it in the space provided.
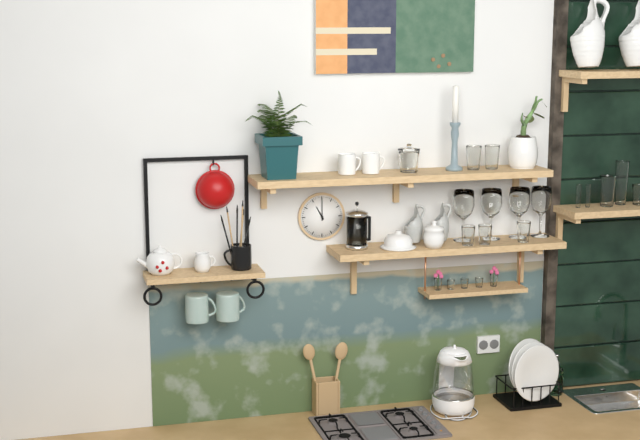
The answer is 11:00
